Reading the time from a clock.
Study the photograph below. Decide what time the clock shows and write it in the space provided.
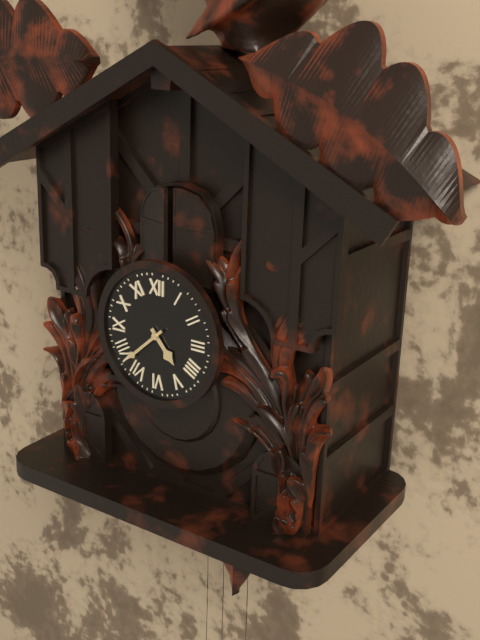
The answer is 4:38
